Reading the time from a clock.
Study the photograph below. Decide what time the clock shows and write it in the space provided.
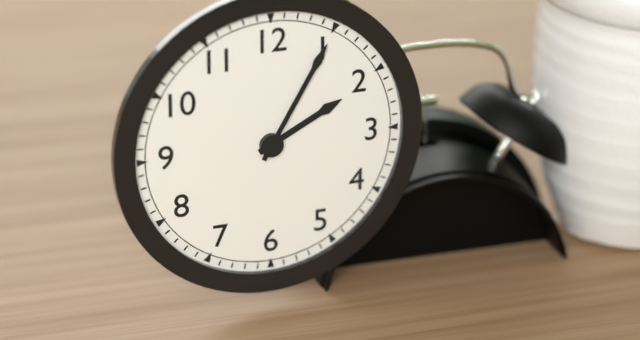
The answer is 2:05
